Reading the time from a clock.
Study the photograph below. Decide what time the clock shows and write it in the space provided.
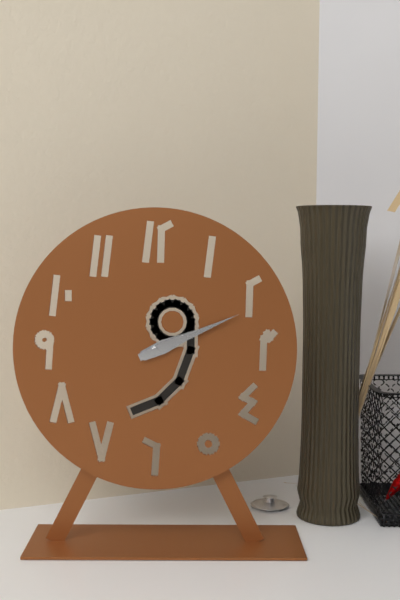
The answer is 2:11
